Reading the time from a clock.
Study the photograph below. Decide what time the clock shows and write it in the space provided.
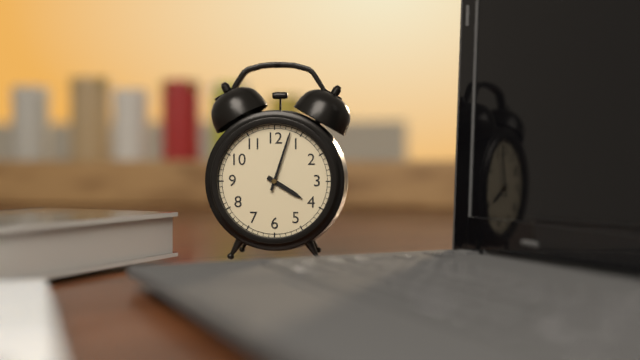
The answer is 4:03
